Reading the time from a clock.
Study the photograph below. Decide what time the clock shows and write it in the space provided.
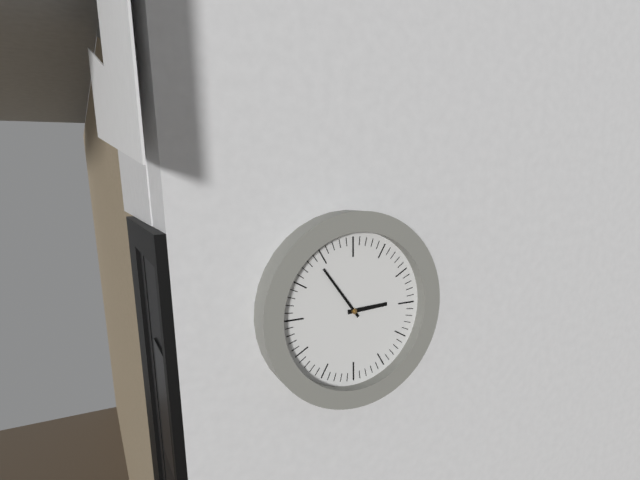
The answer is 2:54
